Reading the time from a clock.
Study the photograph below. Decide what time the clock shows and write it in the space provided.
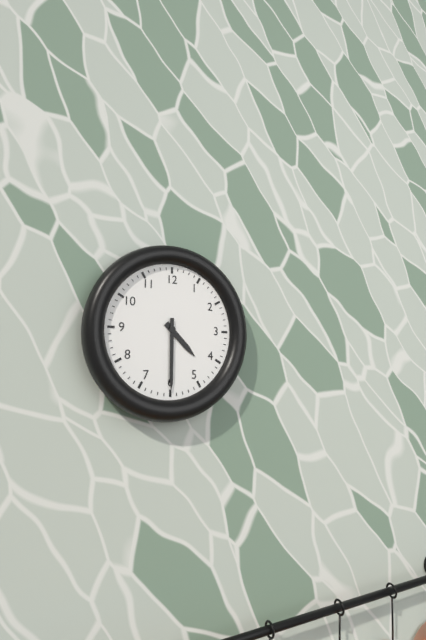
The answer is 4:30
